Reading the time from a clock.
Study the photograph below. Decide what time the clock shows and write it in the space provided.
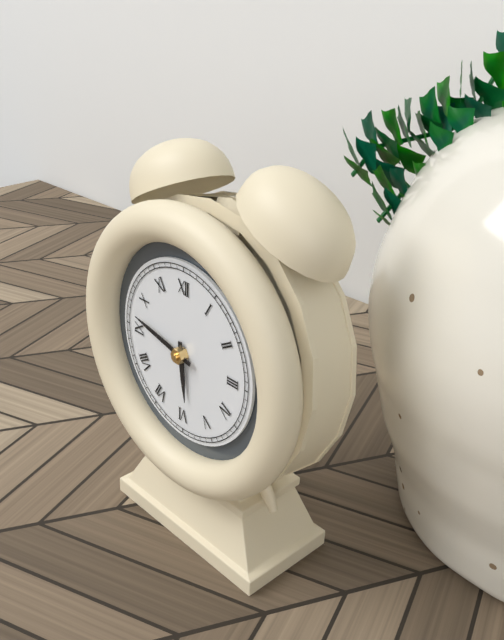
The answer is 5:47
